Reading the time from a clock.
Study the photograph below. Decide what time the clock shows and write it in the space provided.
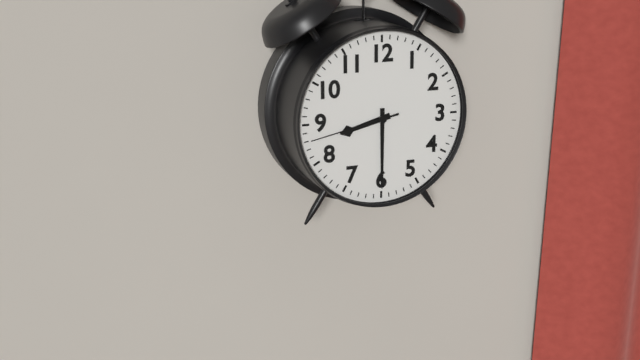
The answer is 8:30:43
